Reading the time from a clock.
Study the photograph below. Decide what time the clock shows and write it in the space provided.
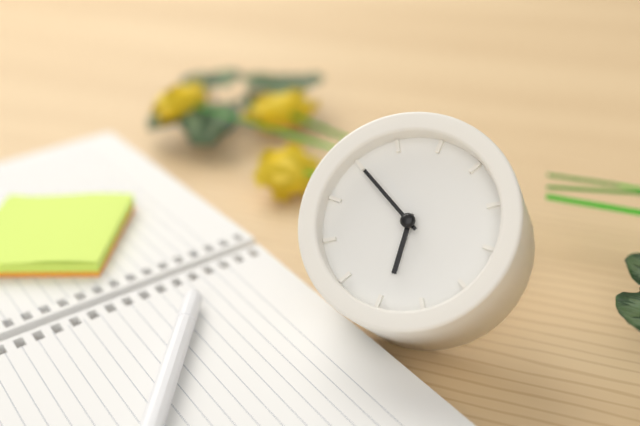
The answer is 5:50
